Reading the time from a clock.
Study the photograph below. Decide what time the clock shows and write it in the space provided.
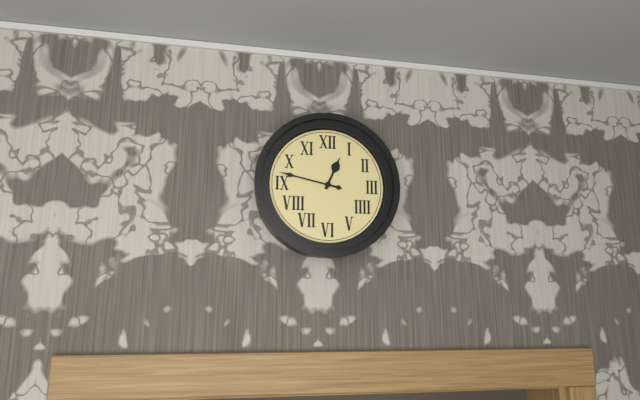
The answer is 12:47
